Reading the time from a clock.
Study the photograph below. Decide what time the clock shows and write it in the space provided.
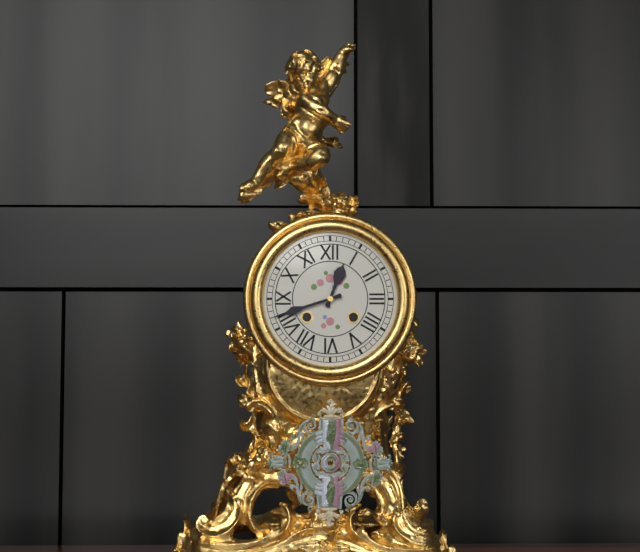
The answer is 12:42
